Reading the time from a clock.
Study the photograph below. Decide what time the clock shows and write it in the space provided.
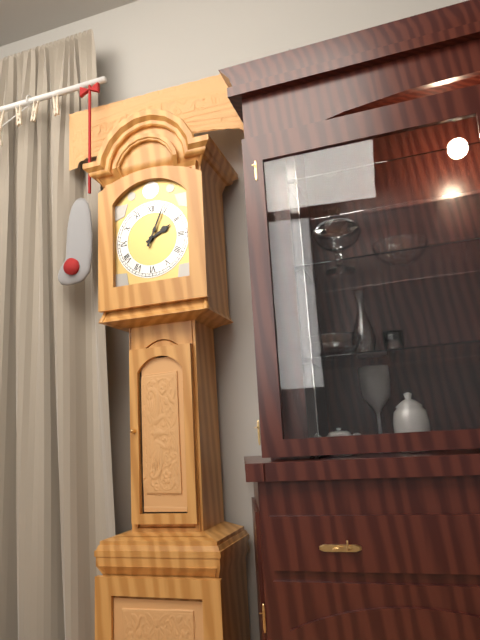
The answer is 2:04
